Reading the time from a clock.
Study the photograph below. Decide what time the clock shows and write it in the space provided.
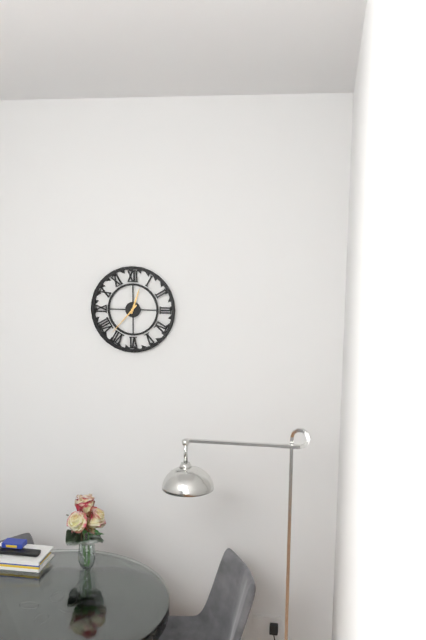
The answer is 12:37
